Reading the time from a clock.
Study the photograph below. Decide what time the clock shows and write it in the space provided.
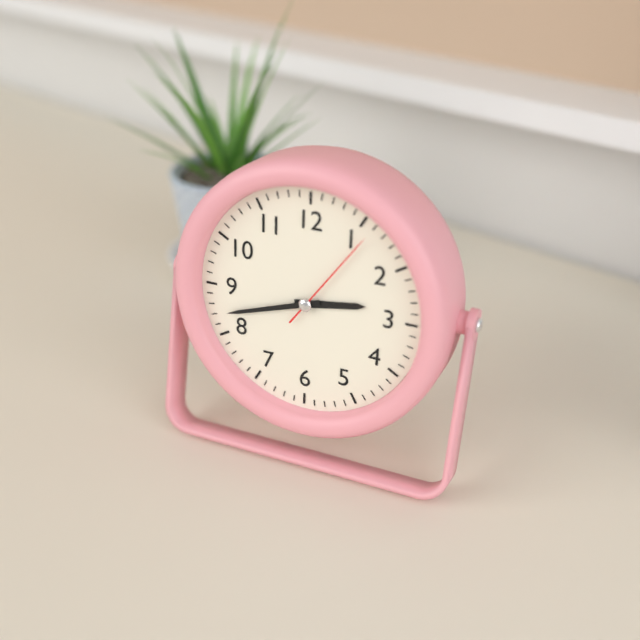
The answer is 2:42:06
